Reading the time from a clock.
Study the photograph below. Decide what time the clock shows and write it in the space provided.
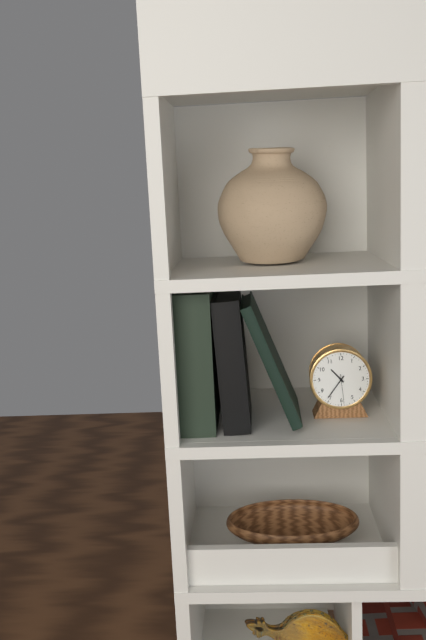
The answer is 10:36
